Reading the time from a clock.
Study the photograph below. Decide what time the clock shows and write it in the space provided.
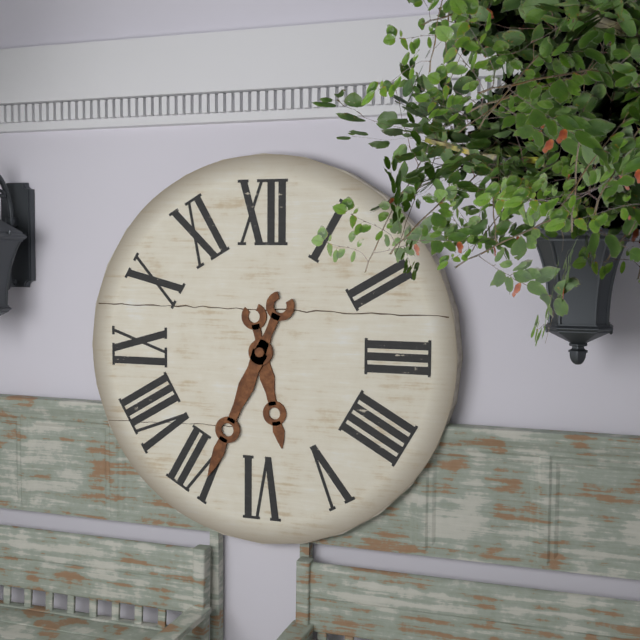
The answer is 5:34
